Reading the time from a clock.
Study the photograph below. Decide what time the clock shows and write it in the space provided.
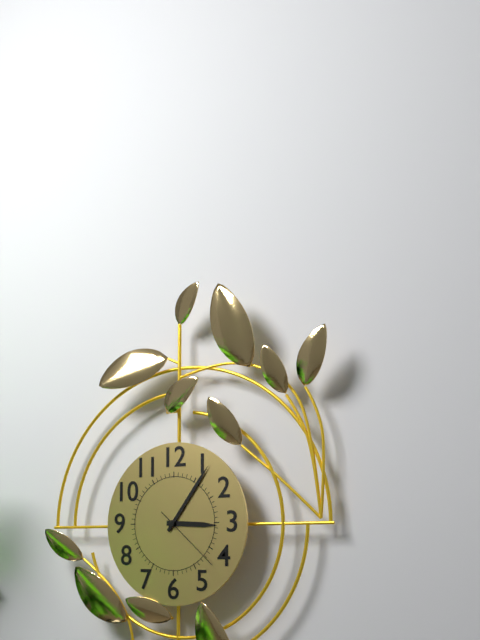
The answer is 3:06:22
